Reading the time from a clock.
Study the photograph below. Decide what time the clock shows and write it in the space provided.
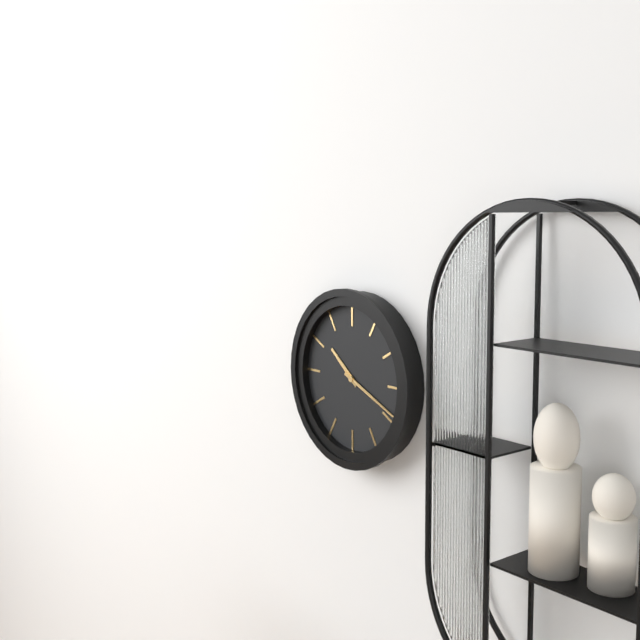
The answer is 10:19
